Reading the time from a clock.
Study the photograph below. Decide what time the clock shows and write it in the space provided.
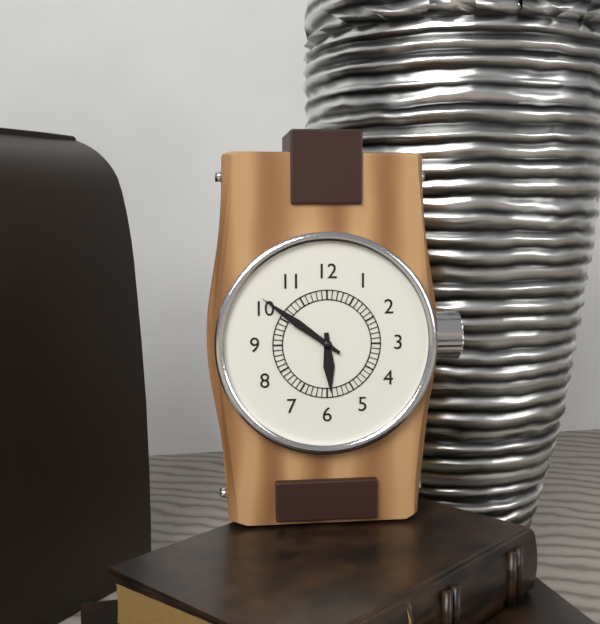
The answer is 5:51
